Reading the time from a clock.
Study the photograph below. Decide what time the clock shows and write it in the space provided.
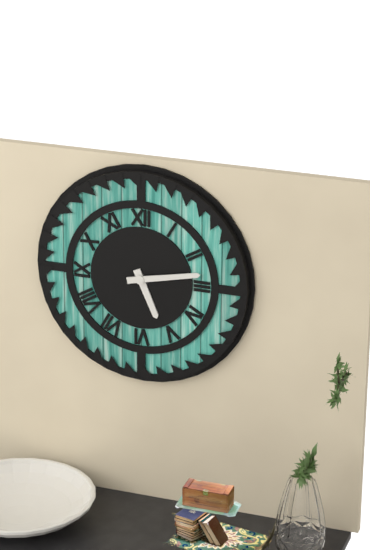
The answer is 5:13
